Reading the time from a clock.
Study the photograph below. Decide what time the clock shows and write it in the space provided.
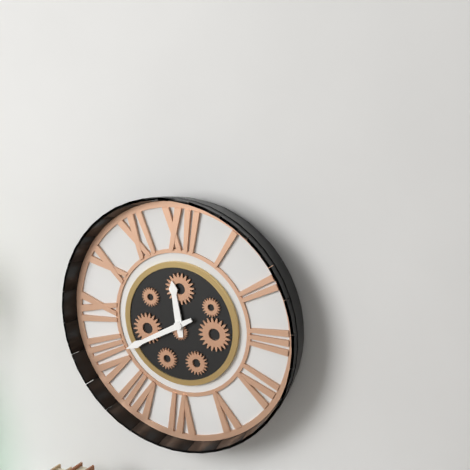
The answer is 11:40
